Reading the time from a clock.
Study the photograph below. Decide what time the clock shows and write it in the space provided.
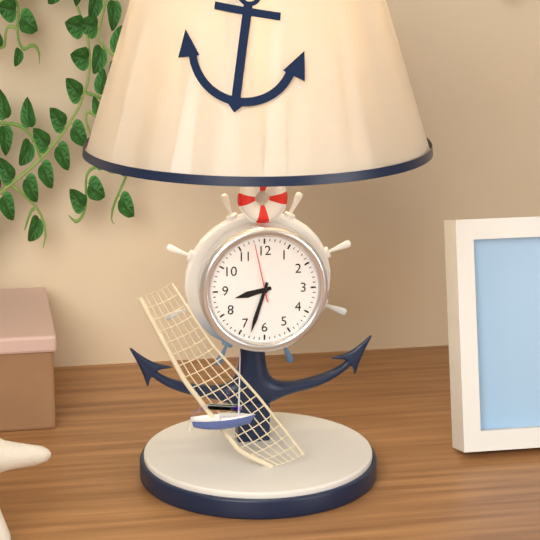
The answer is 8:33:58
